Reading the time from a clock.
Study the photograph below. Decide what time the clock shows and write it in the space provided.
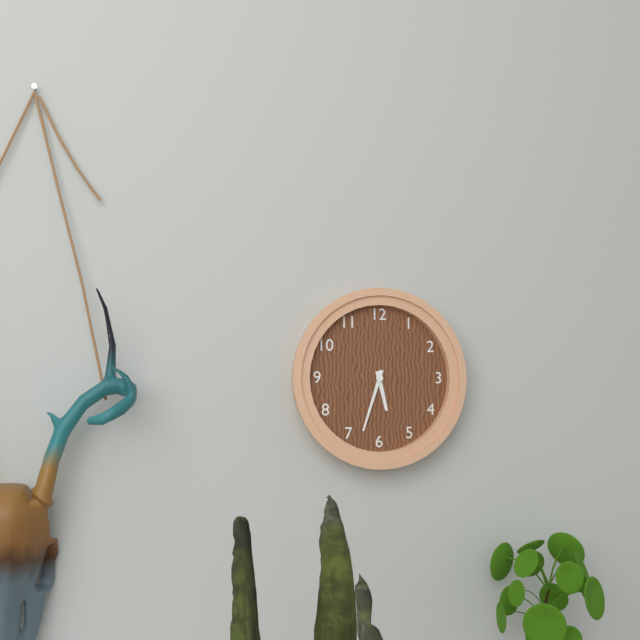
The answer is 5:33
